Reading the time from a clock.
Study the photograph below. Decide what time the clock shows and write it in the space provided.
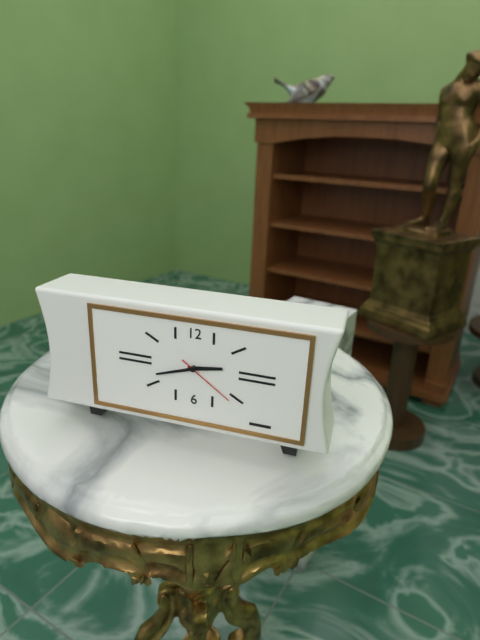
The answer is 2:42:21
